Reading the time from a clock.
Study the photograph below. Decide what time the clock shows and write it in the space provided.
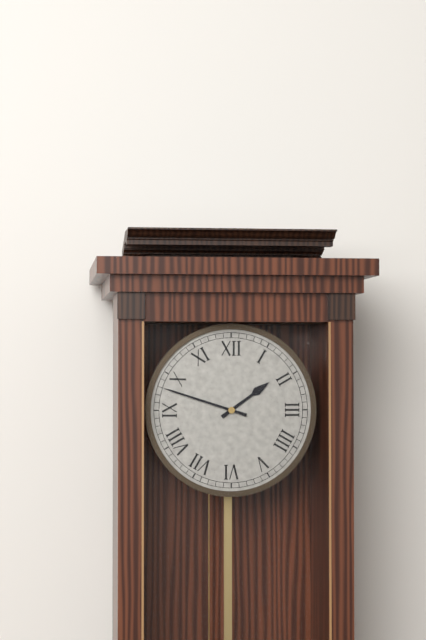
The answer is 1:48
